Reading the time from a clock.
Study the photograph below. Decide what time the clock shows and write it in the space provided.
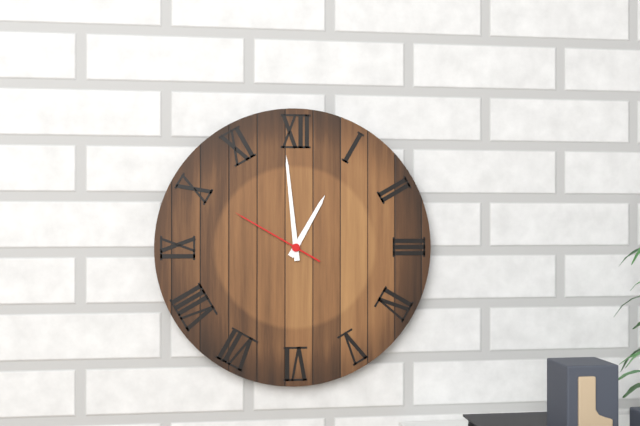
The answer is 12:59:50
